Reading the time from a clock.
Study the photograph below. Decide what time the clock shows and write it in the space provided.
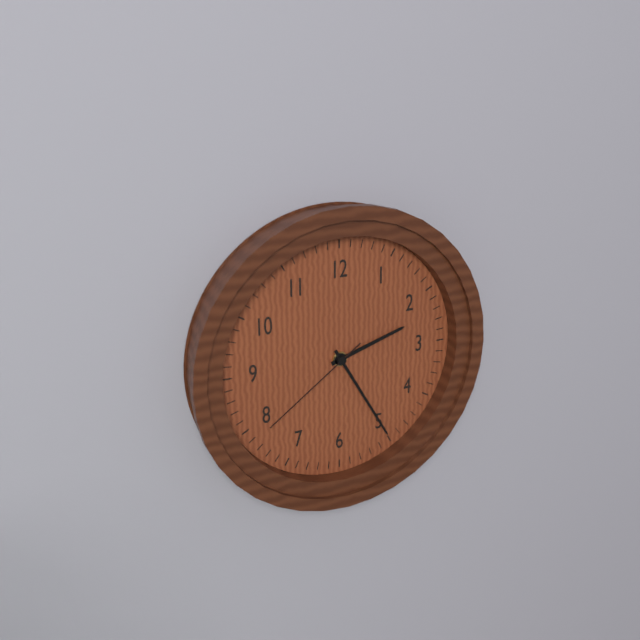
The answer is 2:25:39
